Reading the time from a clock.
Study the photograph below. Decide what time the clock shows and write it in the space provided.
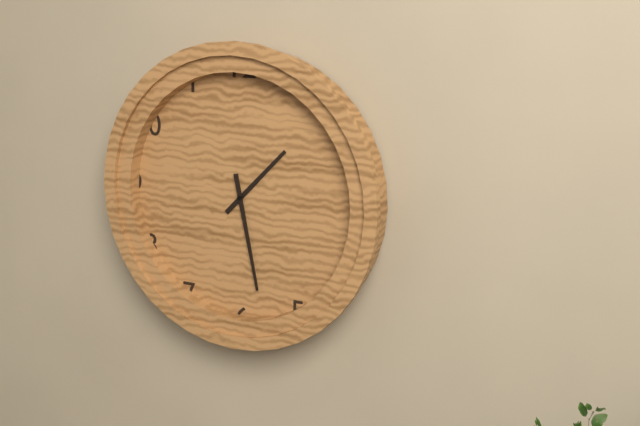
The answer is 1:28
